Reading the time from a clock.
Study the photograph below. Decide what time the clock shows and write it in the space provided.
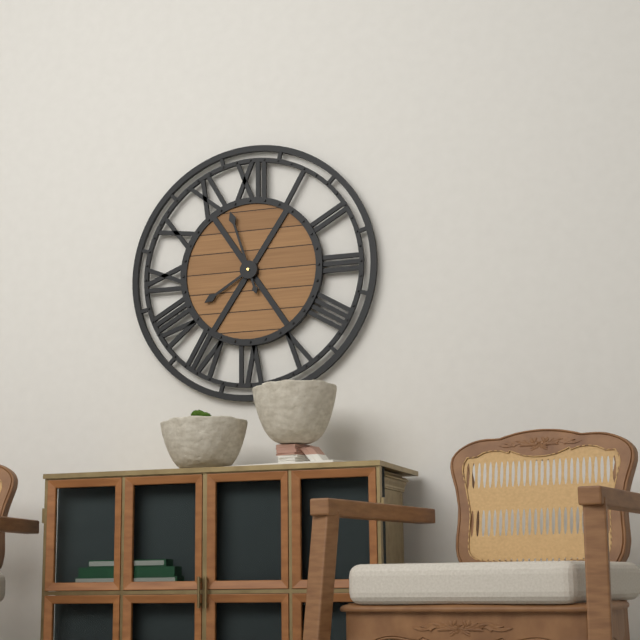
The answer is 7:57
